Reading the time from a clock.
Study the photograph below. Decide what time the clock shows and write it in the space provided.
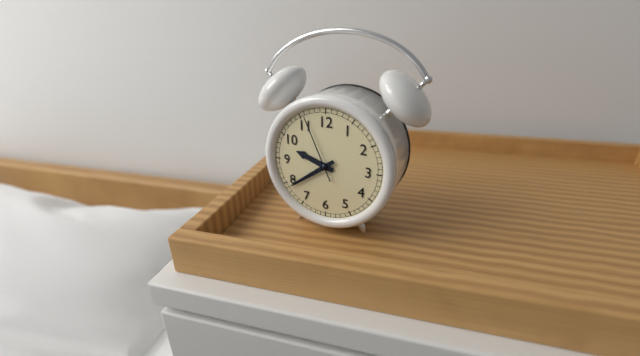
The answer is 9:39:56
